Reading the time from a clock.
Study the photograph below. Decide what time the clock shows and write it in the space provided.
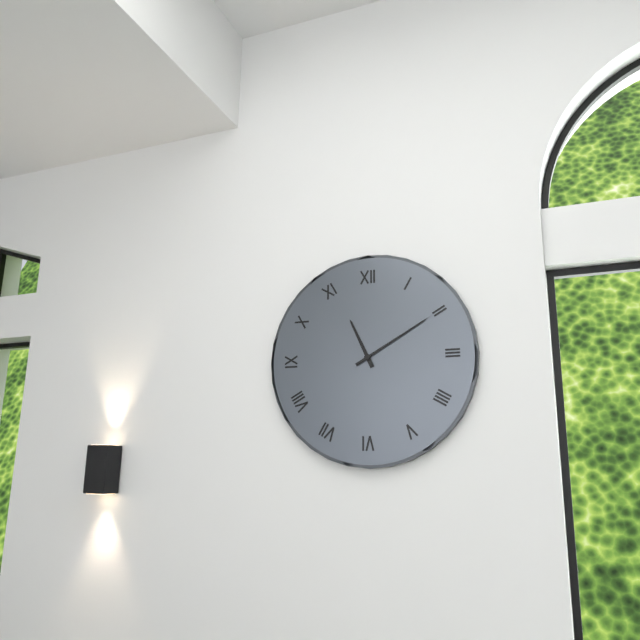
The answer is 11:10
